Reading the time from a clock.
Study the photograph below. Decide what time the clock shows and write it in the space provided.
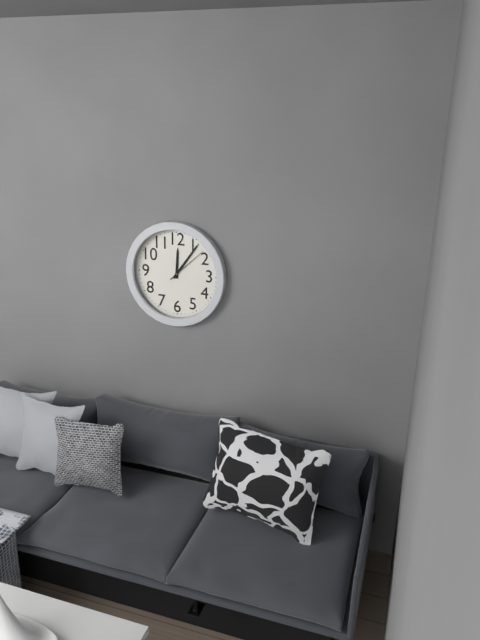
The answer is 12:06
